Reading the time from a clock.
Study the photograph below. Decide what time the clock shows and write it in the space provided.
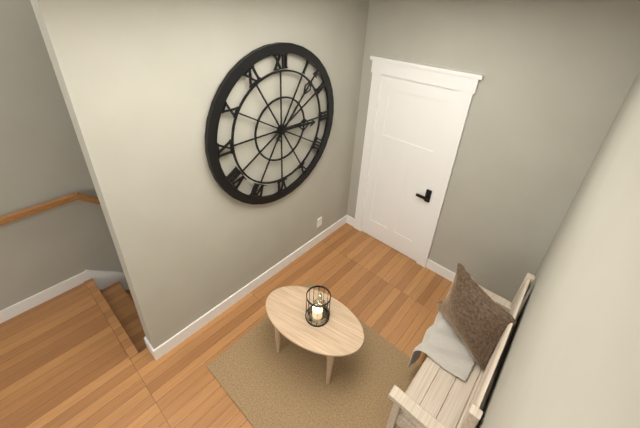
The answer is 3:07
